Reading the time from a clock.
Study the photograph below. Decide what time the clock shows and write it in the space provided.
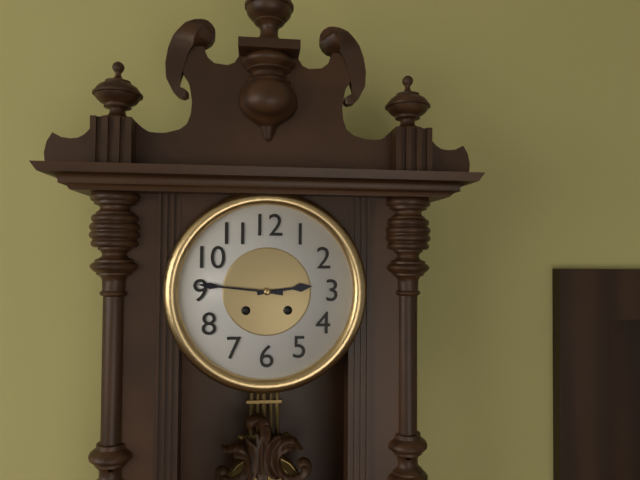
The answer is 2:46
